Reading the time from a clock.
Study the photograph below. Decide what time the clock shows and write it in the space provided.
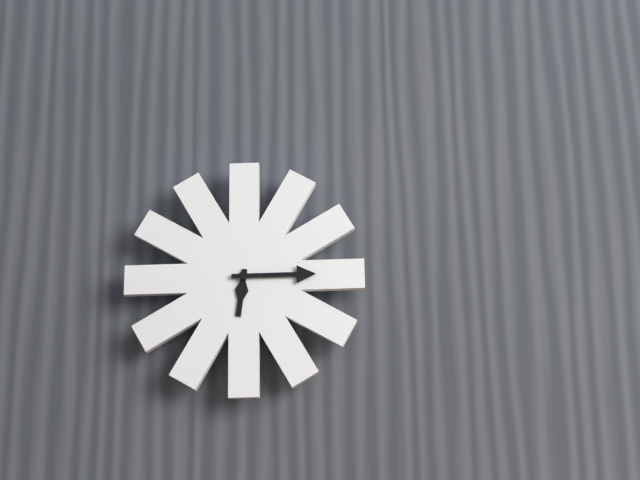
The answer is 6:15
